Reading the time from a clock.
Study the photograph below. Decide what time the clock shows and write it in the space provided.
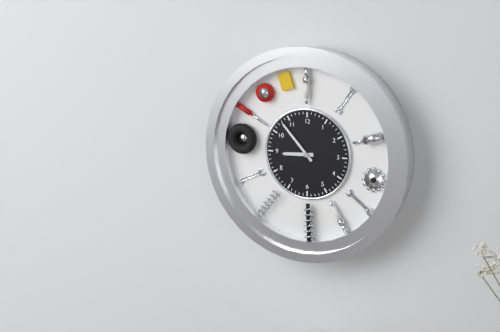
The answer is 8:53
